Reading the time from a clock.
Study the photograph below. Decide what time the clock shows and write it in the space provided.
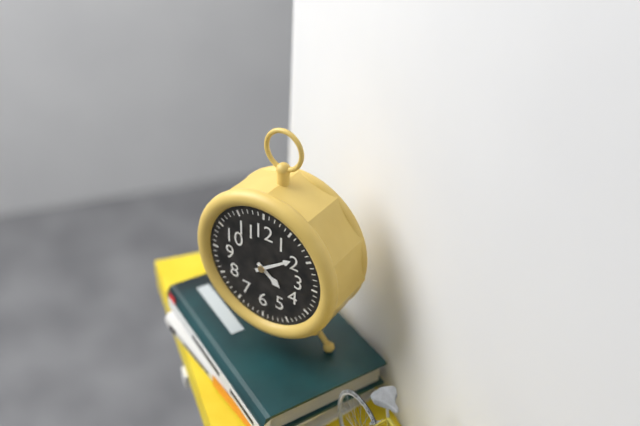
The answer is 4:09
